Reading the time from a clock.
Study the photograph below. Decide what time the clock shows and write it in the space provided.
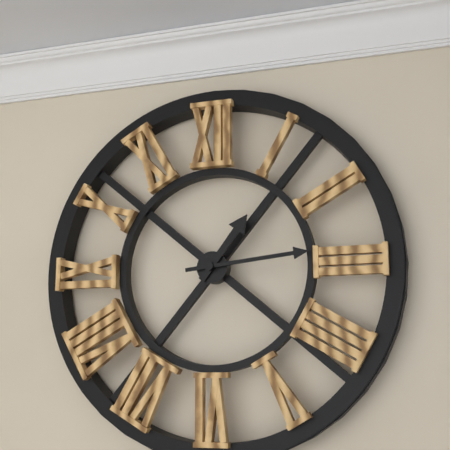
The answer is 1:14
